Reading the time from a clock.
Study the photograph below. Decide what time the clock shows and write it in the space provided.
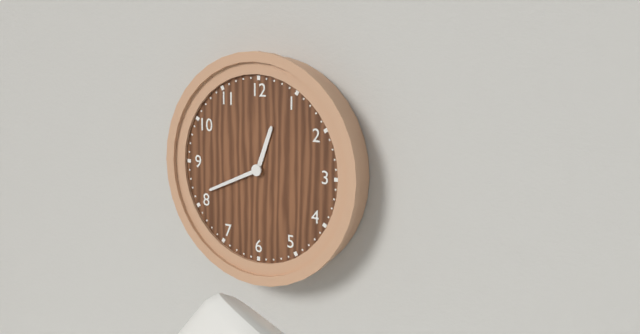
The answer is 12:41
